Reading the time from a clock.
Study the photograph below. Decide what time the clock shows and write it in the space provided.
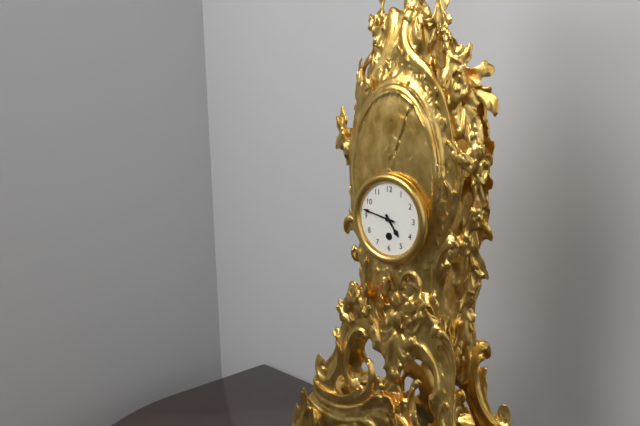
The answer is 4:47
